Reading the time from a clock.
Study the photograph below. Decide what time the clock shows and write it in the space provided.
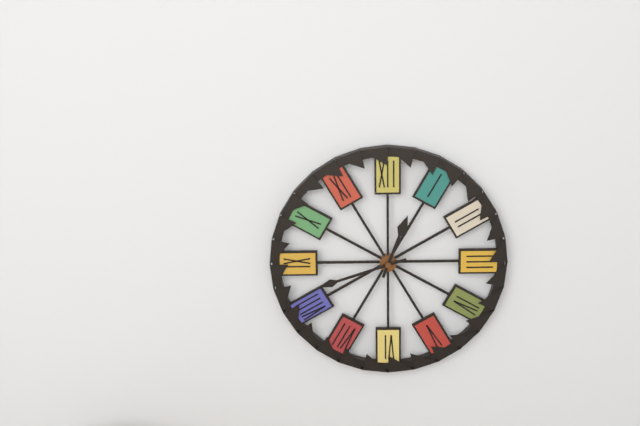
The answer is 12:42
